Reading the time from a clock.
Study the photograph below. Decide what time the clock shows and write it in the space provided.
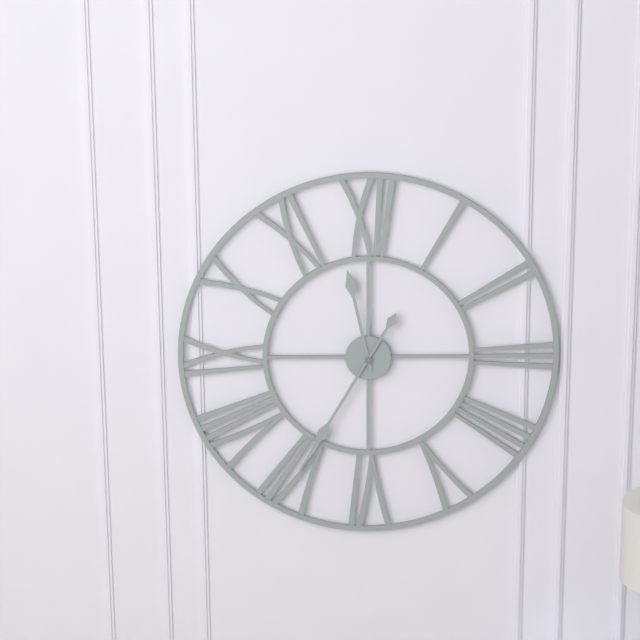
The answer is 11:35
